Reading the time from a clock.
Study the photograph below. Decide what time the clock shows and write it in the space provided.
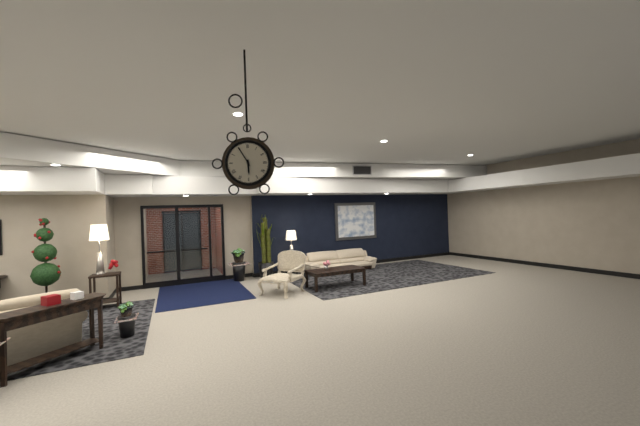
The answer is 5:55
